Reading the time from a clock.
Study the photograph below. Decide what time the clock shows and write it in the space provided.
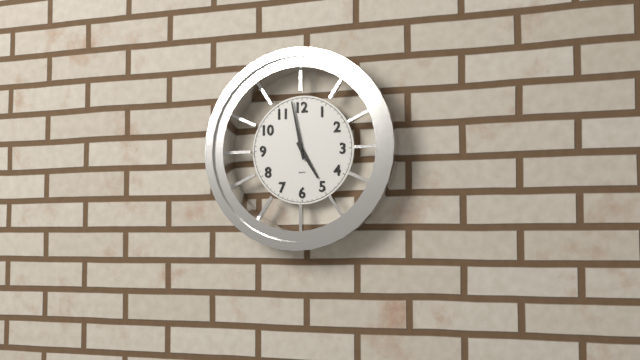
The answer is 4:58
